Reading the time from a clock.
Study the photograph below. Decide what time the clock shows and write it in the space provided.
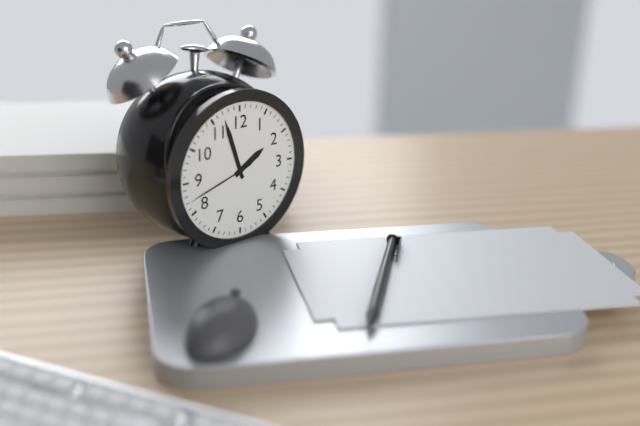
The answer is 1:57:42
